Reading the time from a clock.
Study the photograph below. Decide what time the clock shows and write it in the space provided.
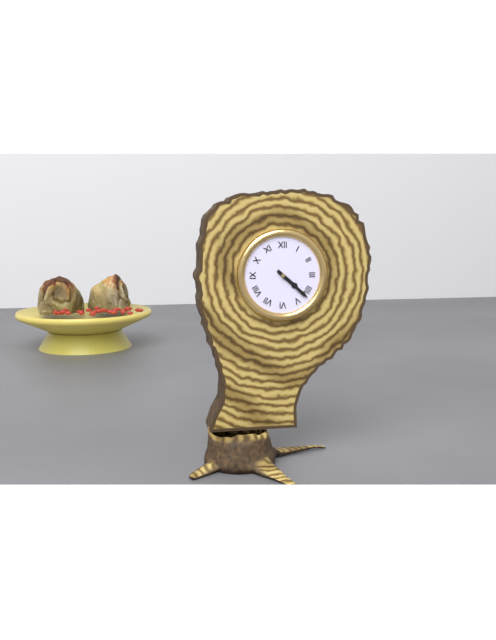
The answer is 4:22
